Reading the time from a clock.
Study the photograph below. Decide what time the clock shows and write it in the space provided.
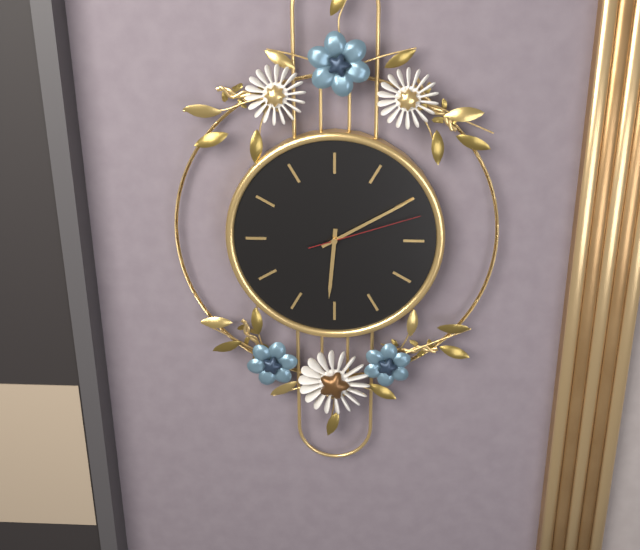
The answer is 6:10:12
